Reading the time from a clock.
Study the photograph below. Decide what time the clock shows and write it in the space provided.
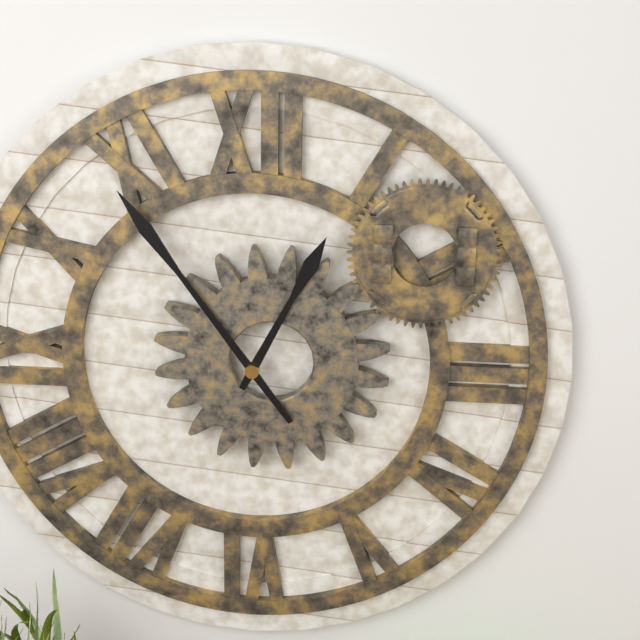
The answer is 12:54
